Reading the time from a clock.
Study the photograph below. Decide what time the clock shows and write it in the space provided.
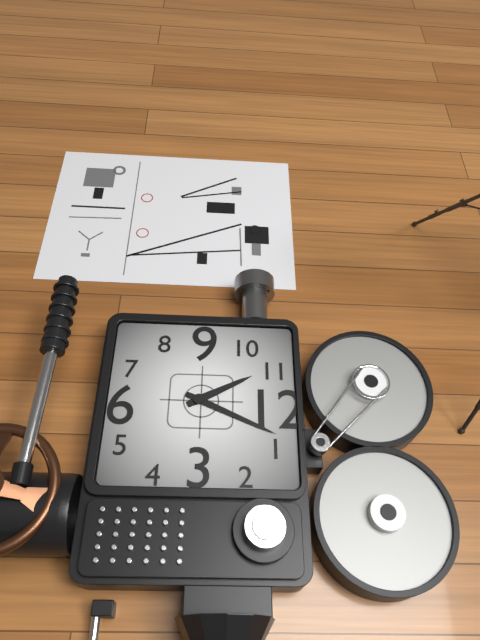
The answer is 11:04
